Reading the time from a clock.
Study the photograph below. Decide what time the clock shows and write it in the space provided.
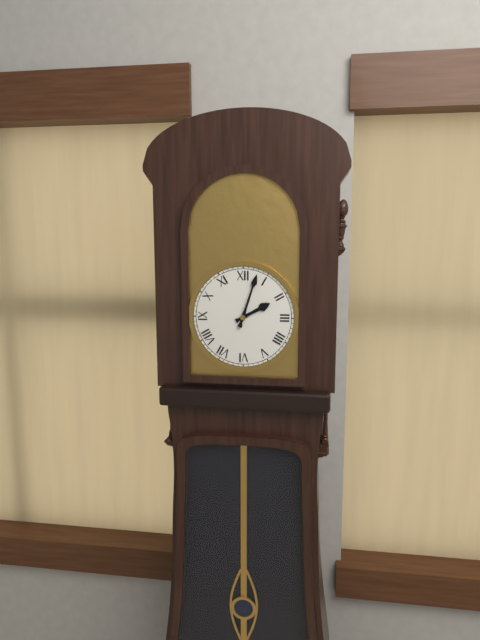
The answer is 2:03
